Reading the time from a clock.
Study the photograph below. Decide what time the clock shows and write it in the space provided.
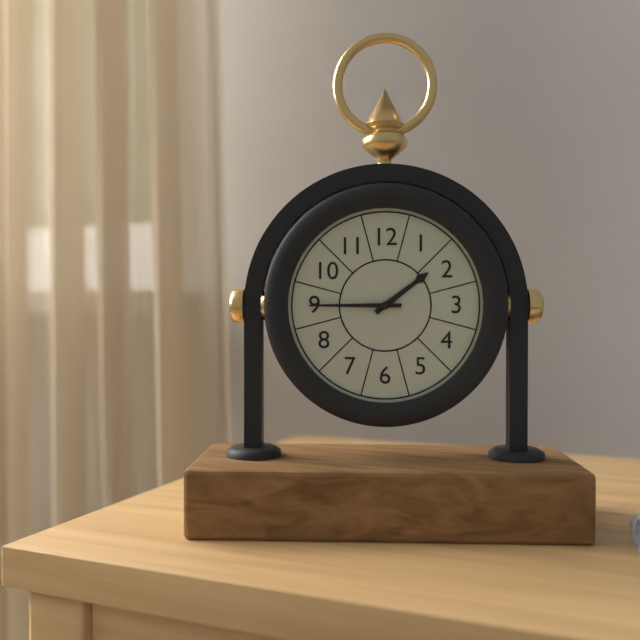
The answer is 1:45
